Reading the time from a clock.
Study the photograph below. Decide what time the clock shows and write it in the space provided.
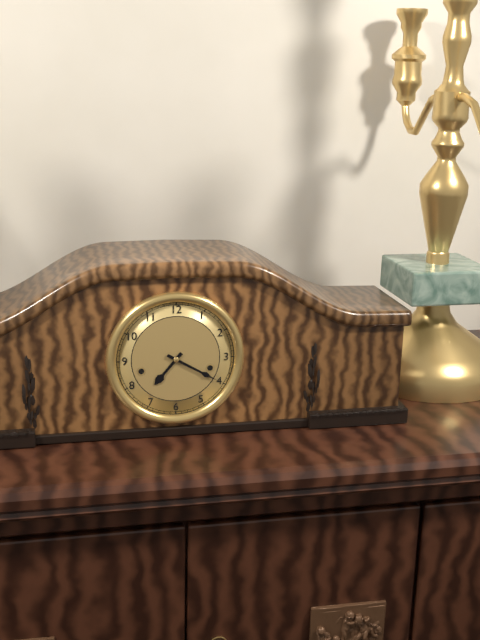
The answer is 7:20
